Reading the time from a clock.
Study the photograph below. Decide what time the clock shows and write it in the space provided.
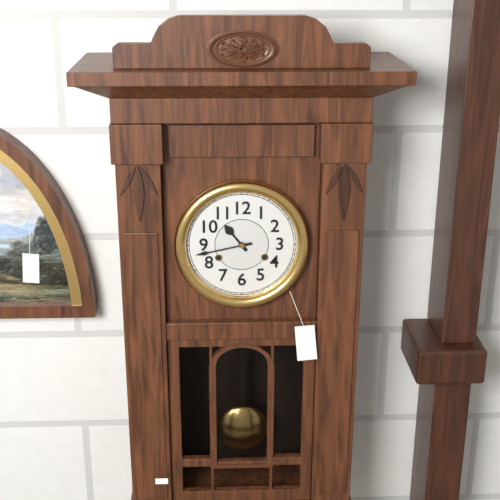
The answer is 10:43
